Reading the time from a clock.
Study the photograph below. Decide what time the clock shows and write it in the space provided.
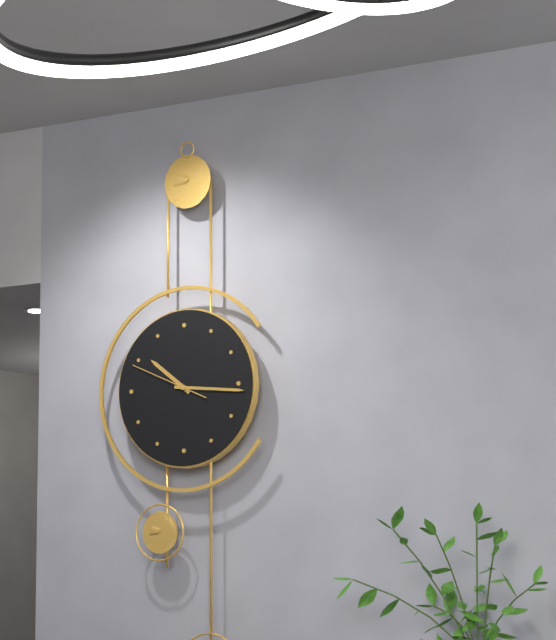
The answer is 10:16:49
